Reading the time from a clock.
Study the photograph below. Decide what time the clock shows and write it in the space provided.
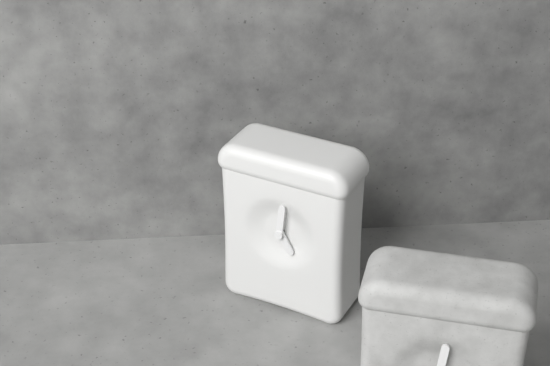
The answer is 5:01
